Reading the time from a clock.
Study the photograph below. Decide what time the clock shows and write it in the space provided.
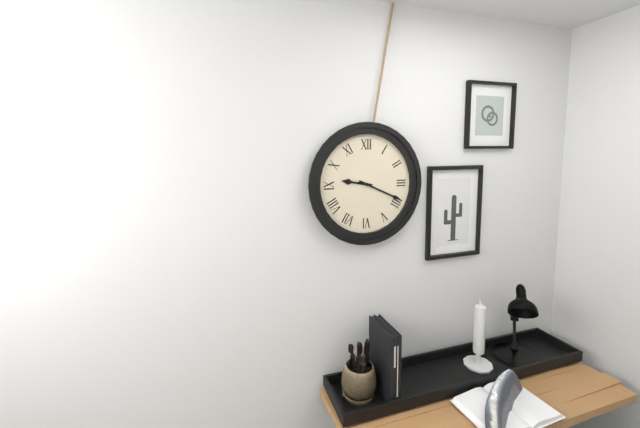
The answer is 9:19
